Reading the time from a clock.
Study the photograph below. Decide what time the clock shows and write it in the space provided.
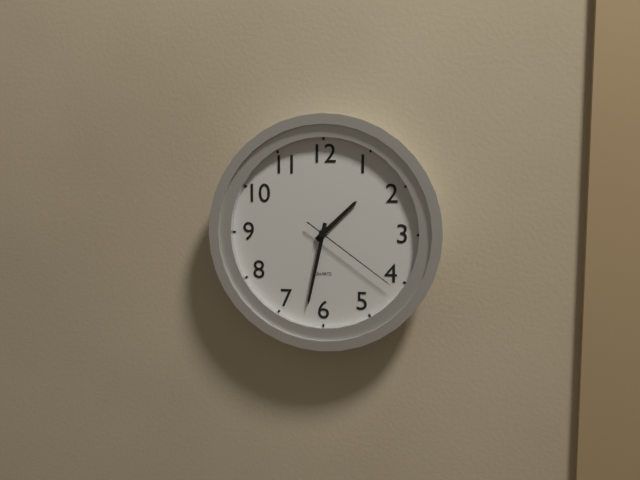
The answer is 1:32:21
